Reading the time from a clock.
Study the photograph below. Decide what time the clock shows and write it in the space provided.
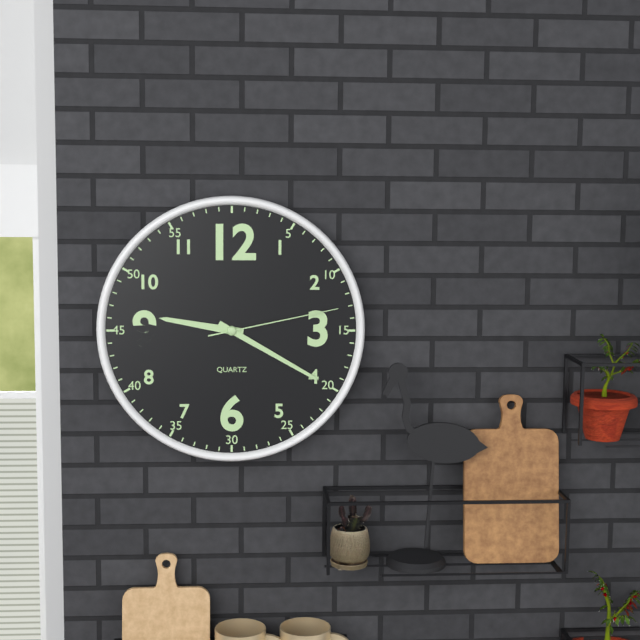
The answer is 9:20:13
